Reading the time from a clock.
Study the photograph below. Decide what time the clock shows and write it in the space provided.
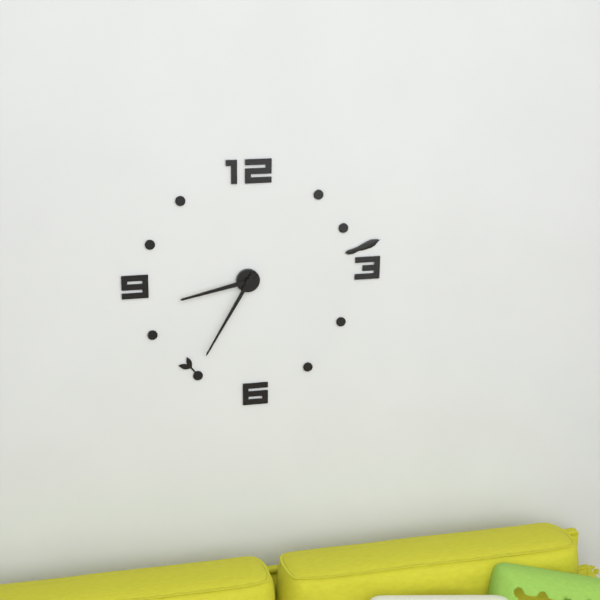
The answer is 8:35
